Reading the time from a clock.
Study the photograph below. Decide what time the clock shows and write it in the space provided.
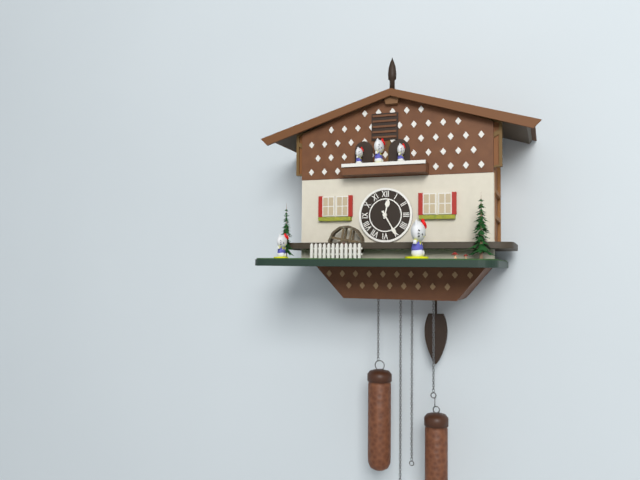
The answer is 12:25
